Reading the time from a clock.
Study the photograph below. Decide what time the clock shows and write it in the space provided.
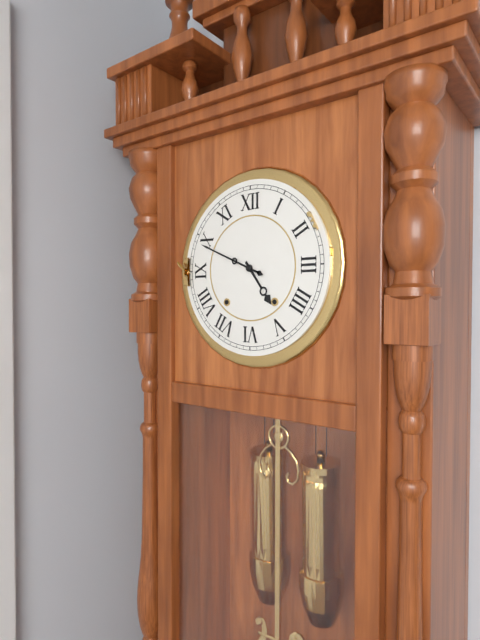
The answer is 4:49
